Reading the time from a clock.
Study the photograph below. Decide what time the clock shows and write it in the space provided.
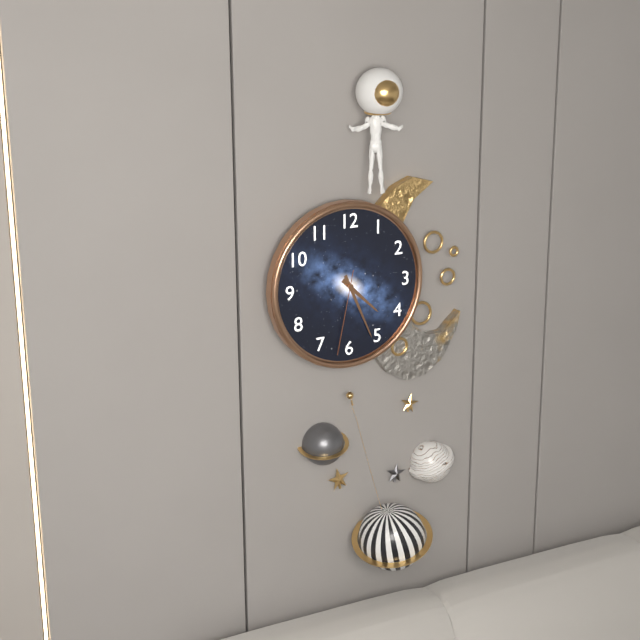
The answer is 4:26:32
